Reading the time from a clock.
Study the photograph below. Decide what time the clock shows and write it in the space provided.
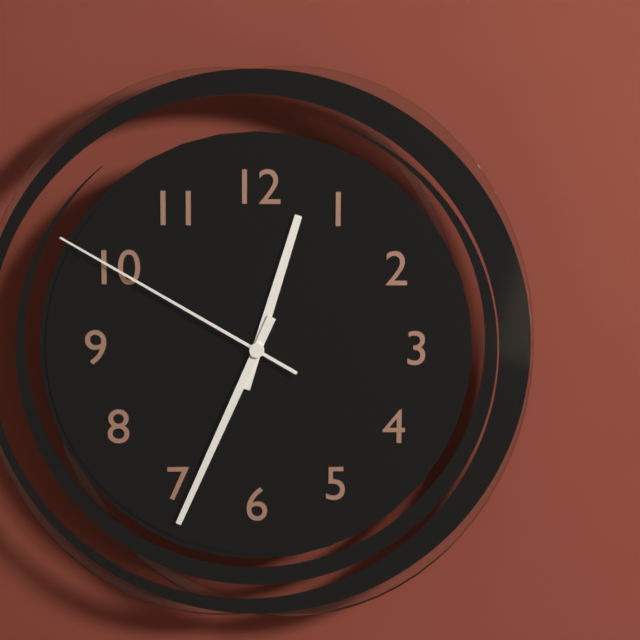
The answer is 12:34:50
